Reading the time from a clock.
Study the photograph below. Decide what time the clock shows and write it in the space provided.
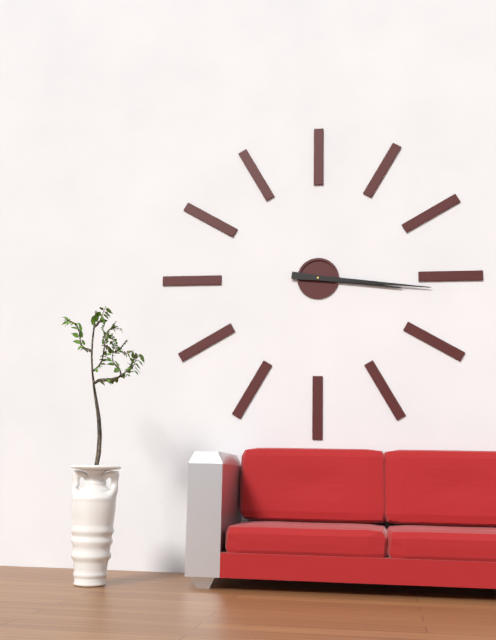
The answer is 3:16
